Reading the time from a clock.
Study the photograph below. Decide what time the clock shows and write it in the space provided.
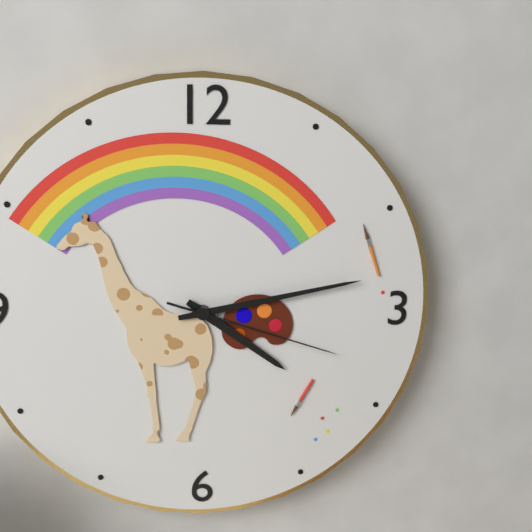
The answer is 4:13:18
